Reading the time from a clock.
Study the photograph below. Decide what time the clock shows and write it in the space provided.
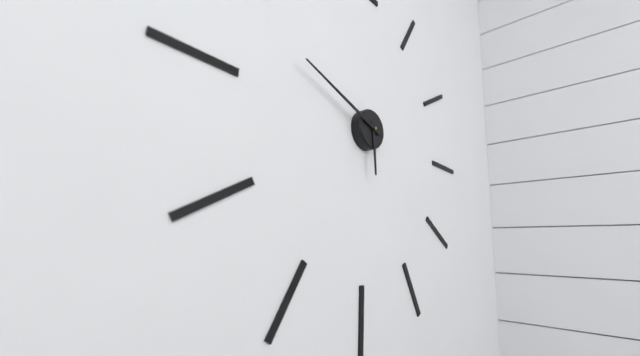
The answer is 5:48
